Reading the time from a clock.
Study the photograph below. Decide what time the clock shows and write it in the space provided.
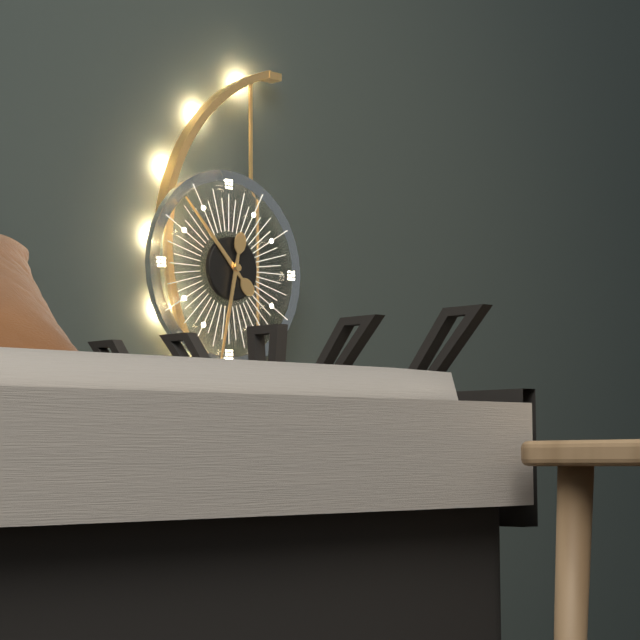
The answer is 10:32
